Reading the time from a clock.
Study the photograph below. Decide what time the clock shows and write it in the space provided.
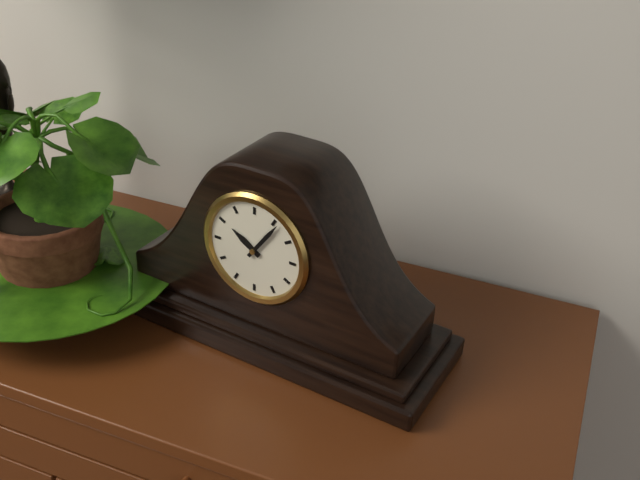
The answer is 10:06
